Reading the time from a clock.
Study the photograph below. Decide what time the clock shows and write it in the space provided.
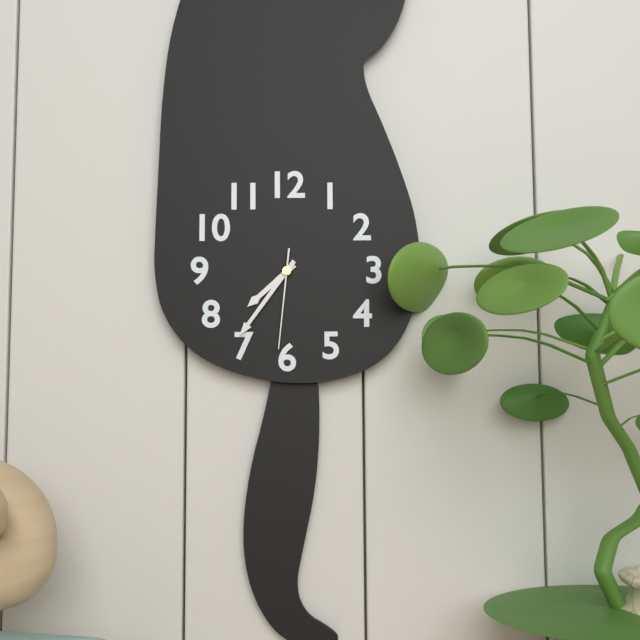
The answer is 7:36:31
